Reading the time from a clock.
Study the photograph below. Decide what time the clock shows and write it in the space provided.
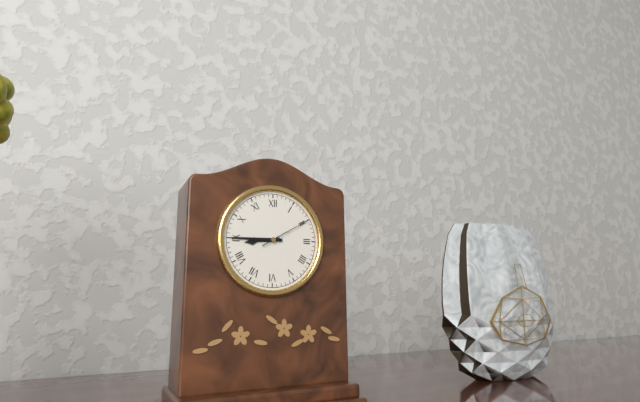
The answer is 8:45:10
